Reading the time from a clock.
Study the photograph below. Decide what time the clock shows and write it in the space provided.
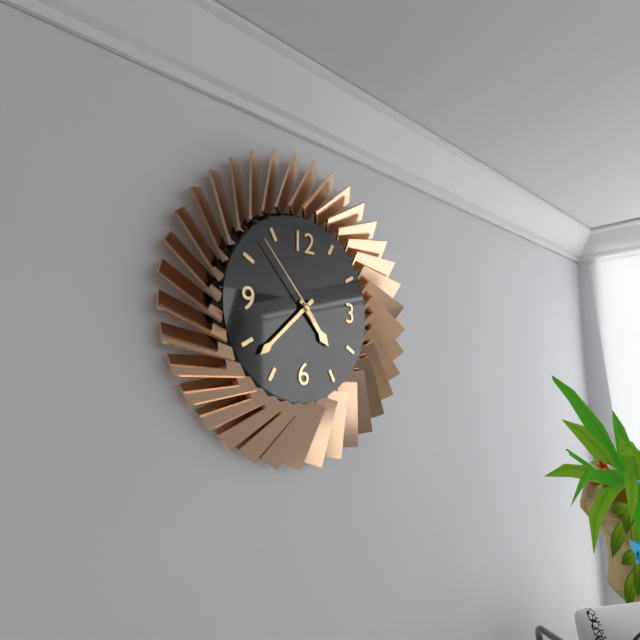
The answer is 4:38:53
